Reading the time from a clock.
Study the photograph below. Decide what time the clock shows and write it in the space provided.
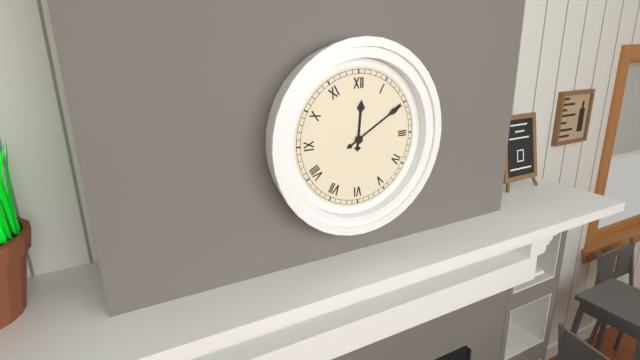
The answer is 12:10
